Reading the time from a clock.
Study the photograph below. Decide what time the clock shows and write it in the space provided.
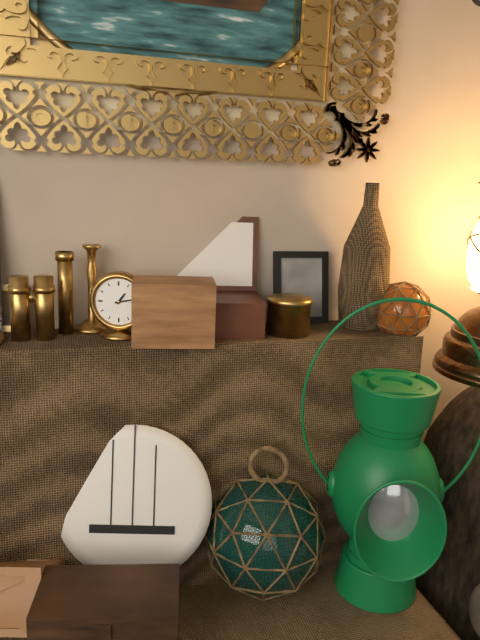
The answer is 1:13
